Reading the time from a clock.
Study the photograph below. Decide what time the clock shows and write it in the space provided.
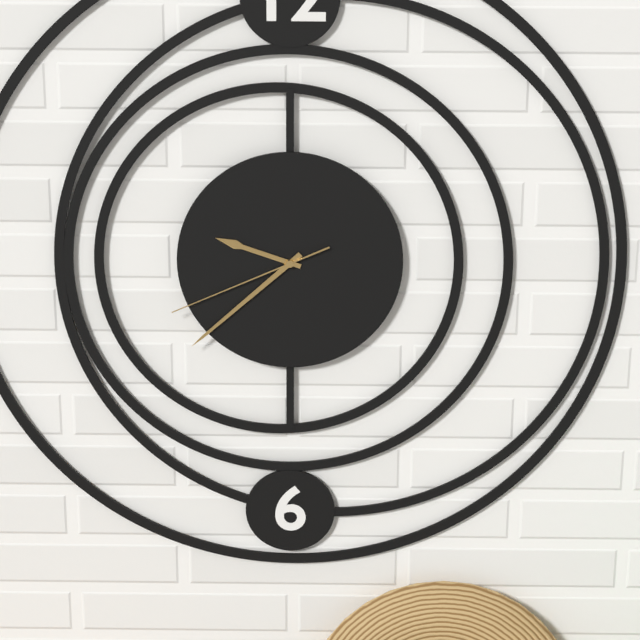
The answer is 9:38:41
